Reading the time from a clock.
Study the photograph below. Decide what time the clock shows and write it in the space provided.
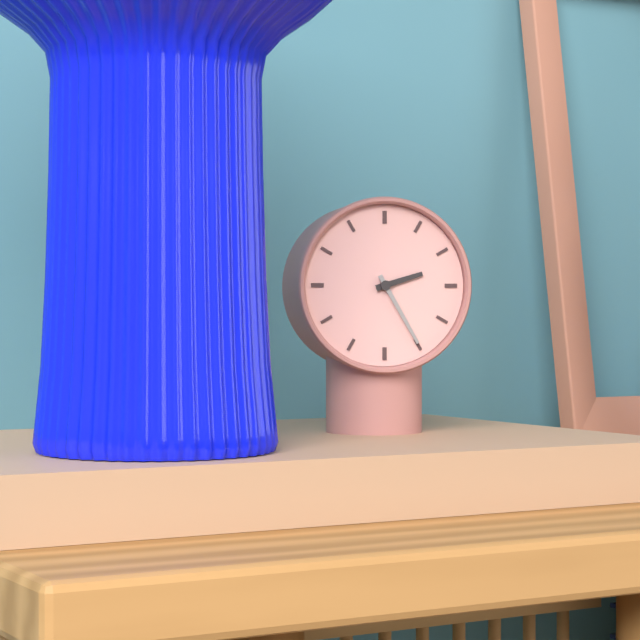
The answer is 2:25
